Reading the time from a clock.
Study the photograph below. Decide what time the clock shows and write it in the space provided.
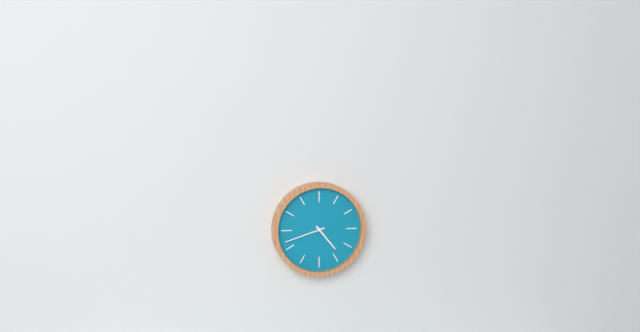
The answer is 4:42
